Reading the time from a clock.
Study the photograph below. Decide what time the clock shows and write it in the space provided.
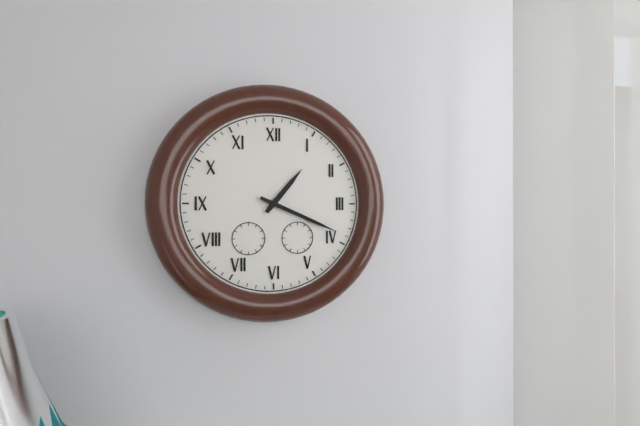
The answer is 1:19
